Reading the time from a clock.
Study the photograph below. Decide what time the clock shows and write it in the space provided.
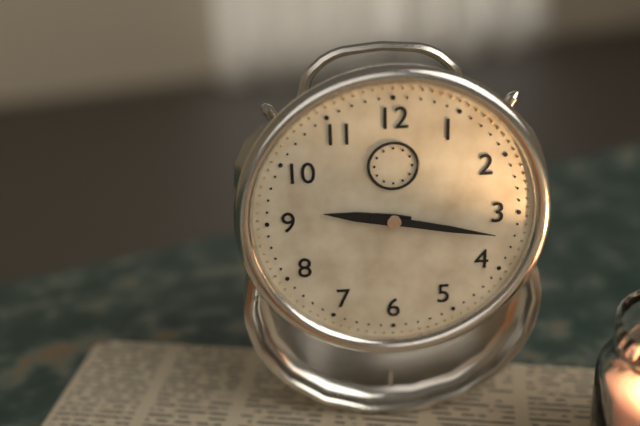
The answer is 9:17
